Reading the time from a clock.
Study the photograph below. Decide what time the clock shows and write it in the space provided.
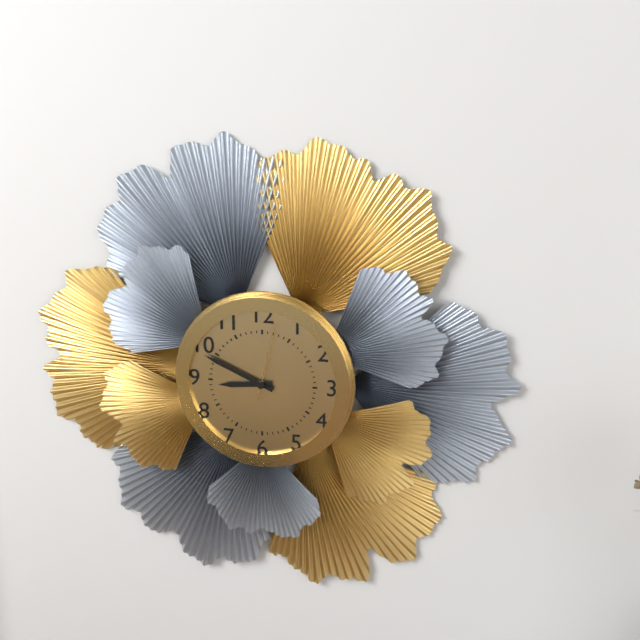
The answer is 8:49:02
